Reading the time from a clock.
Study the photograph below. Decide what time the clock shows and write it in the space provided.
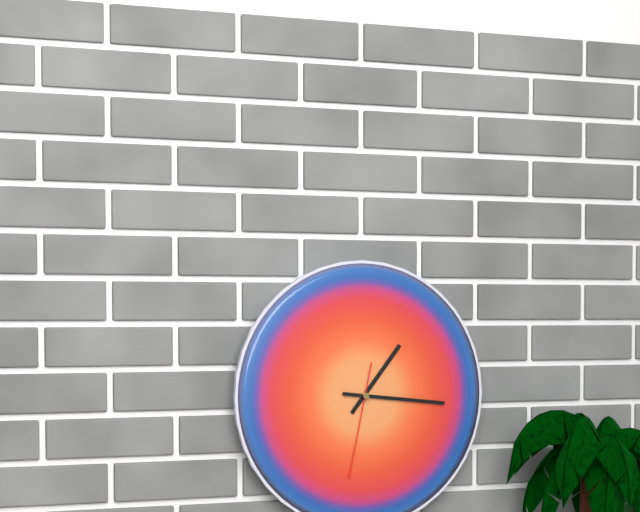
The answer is 1:16:32
